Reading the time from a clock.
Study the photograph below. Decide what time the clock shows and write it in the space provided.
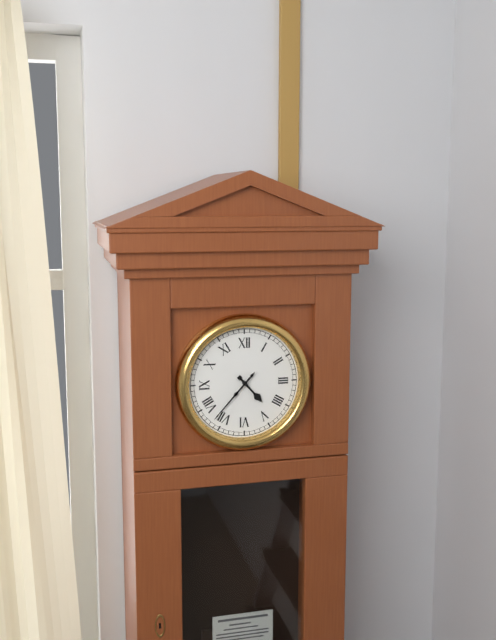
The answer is 4:37
